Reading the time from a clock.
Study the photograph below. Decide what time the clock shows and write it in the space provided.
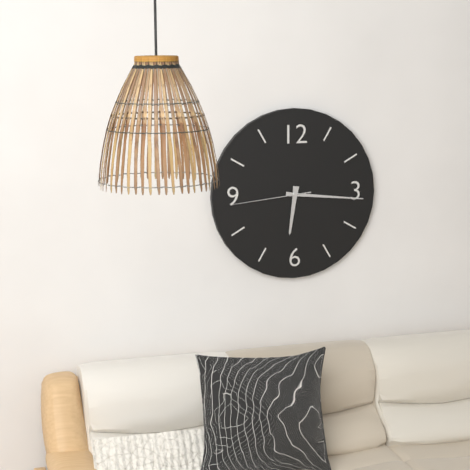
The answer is 6:16:44
